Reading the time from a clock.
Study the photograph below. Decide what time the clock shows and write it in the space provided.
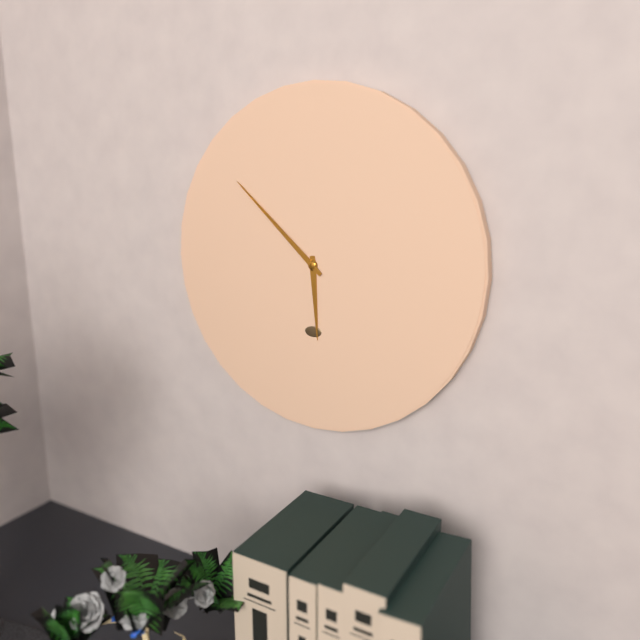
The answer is 5:52
